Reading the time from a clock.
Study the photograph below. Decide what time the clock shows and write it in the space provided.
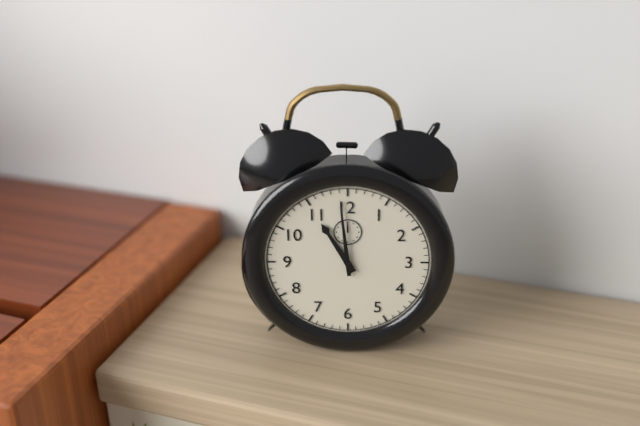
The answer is 10:59
